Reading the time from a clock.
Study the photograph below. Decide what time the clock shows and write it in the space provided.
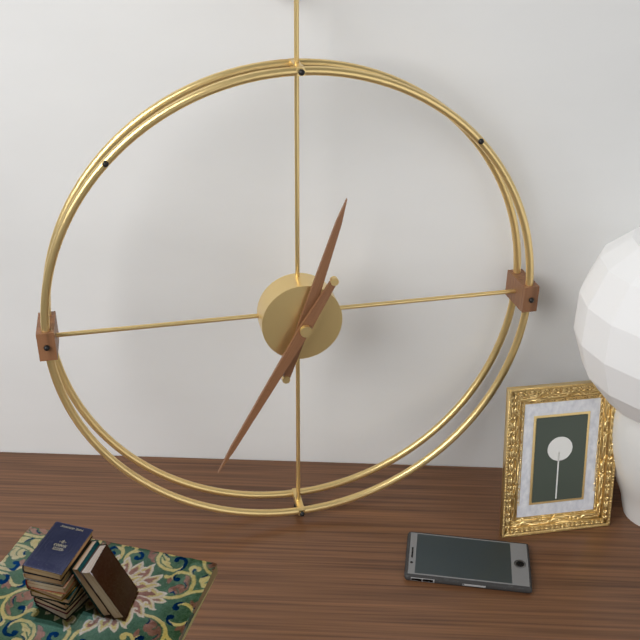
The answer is 12:35
